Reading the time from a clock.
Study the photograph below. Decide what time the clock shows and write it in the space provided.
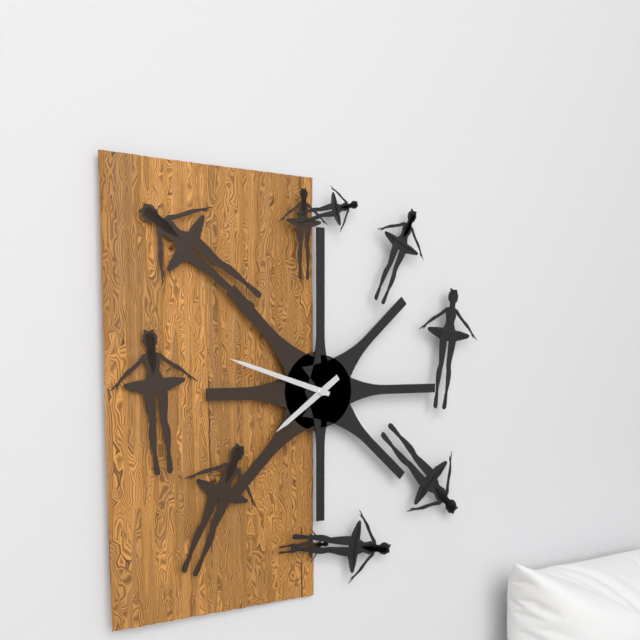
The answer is 7:48
